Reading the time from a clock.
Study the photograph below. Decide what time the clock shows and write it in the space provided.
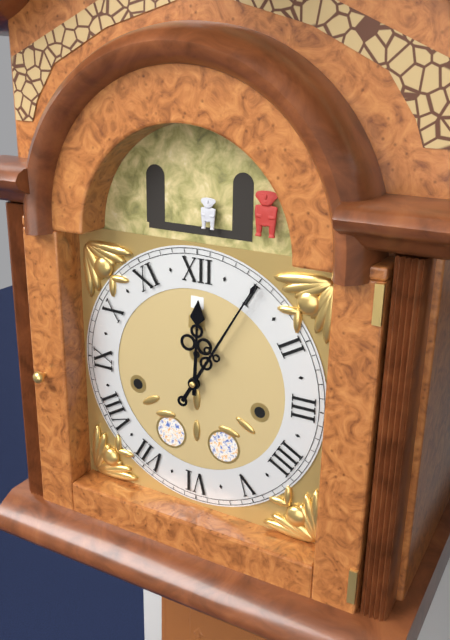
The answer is 12:05
